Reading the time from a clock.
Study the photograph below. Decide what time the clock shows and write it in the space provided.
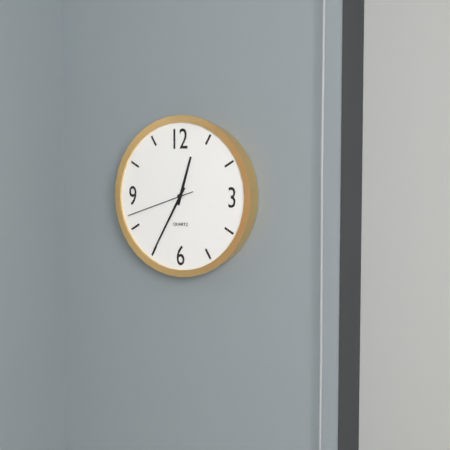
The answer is 12:35:42
